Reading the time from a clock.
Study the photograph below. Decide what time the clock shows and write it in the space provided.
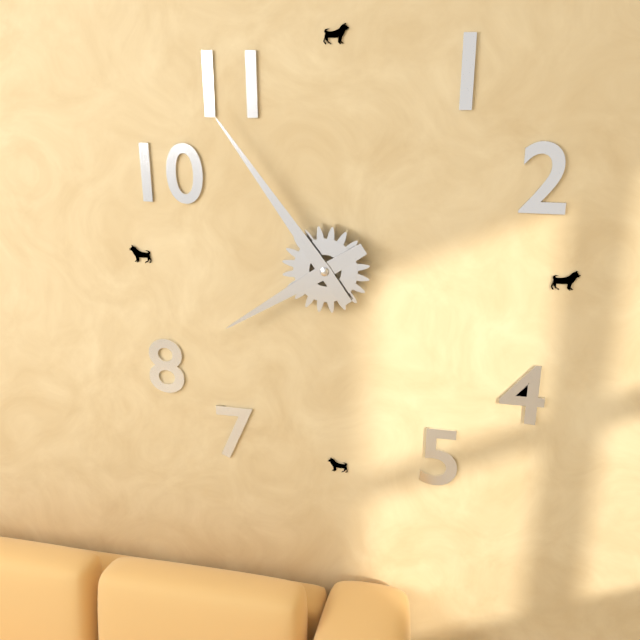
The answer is 7:54
